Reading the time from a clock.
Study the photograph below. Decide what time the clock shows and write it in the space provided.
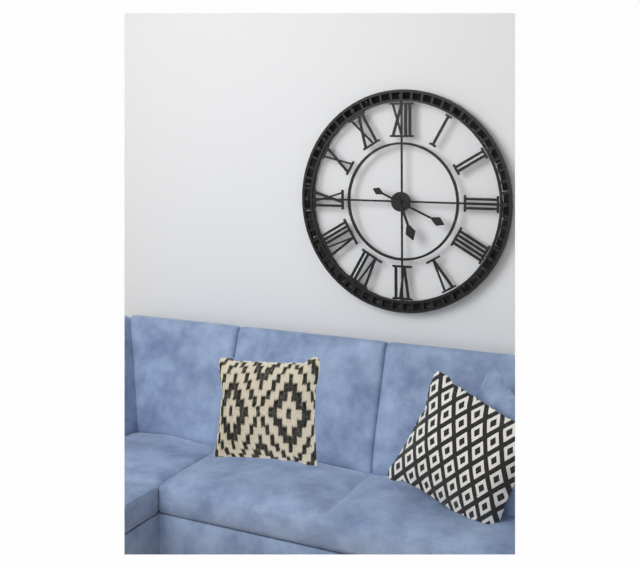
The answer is 5:19
